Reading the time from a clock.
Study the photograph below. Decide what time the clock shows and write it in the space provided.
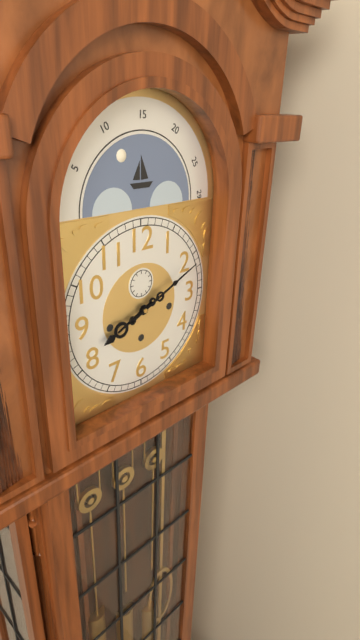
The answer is 8:11
